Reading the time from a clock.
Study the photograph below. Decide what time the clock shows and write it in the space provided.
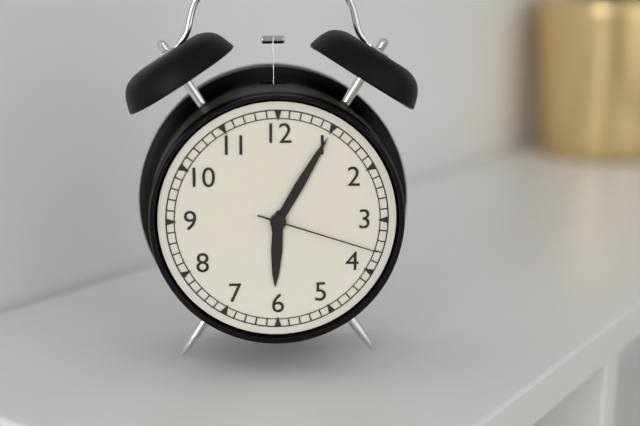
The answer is 6:05:18
